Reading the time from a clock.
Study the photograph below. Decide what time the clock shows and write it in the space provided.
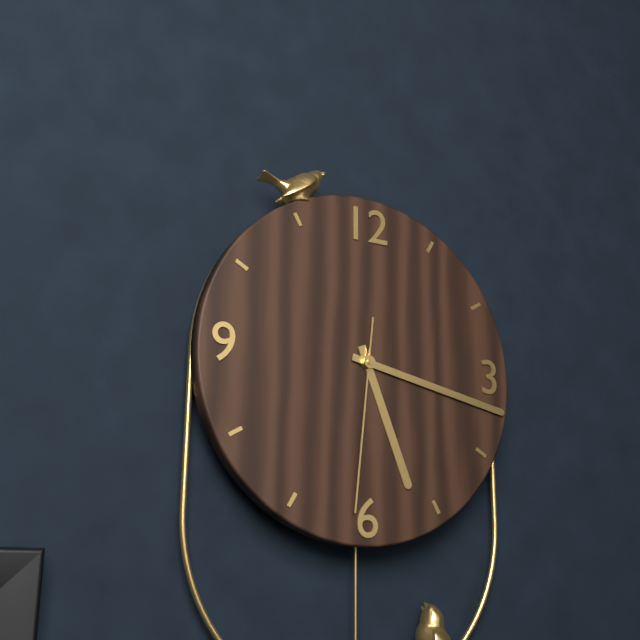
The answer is 5:17:31
